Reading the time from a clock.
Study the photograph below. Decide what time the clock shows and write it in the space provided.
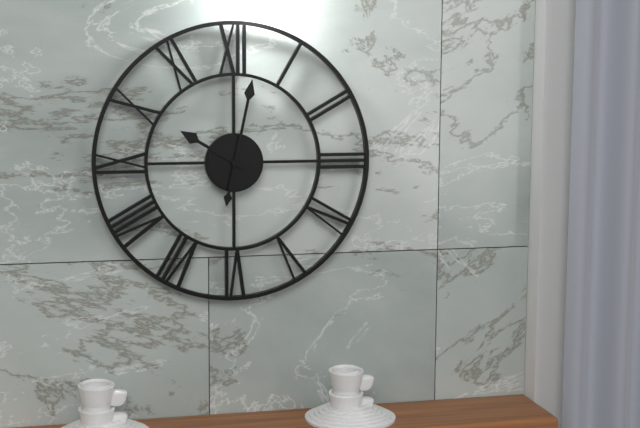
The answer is 10:02
